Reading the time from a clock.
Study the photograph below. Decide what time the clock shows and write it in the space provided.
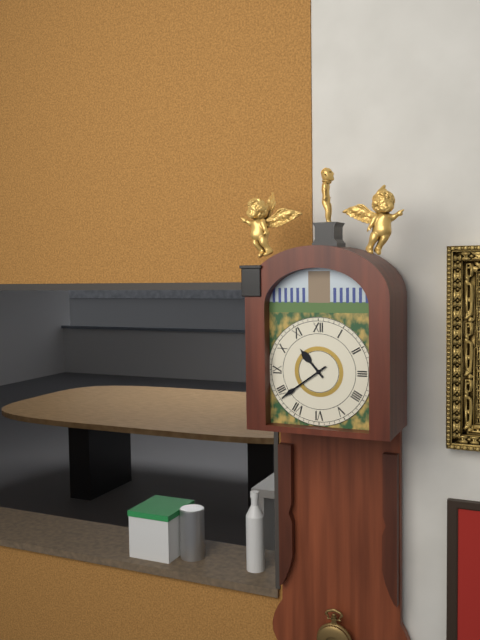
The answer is 10:39
